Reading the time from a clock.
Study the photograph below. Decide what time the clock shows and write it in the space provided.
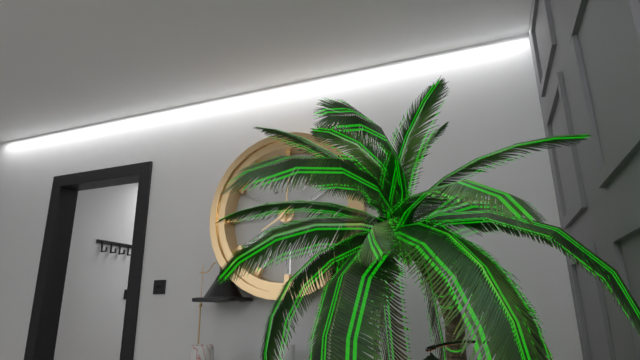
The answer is 8:01
